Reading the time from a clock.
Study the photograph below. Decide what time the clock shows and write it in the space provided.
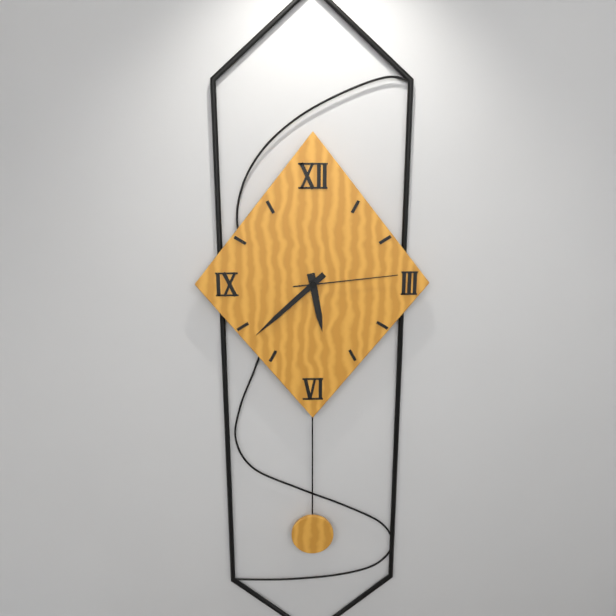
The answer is 5:38:14
